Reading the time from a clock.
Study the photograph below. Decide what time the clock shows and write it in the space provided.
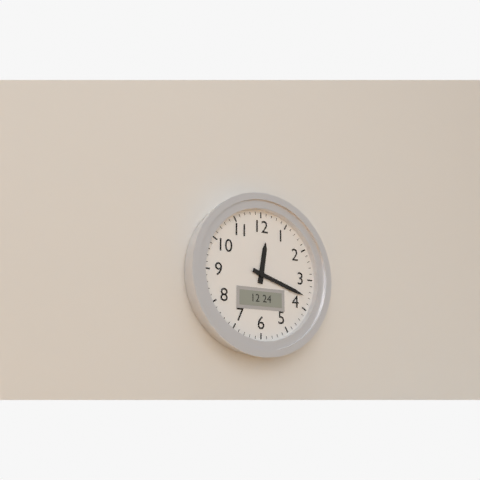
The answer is 12:18
